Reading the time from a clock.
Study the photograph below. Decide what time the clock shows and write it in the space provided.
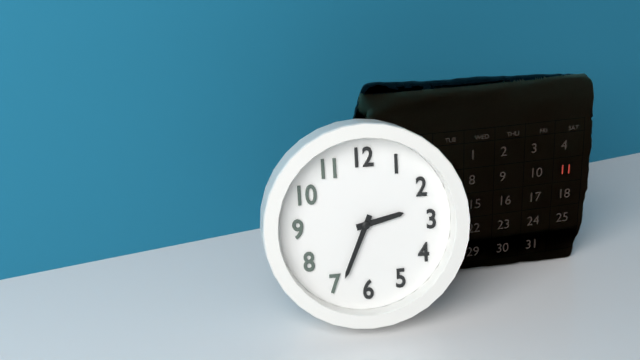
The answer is 2:34
